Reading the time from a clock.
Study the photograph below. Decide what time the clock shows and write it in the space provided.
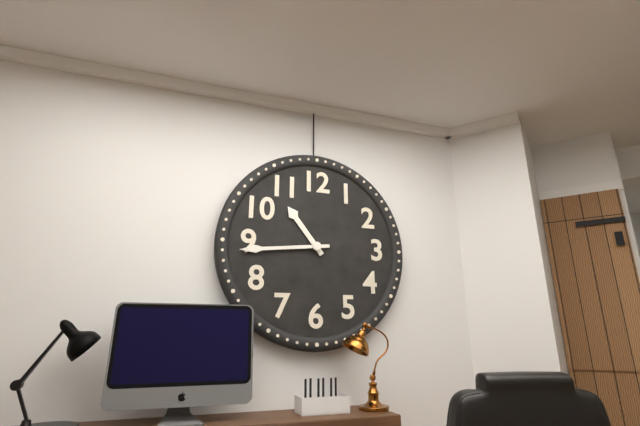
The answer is 10:44
